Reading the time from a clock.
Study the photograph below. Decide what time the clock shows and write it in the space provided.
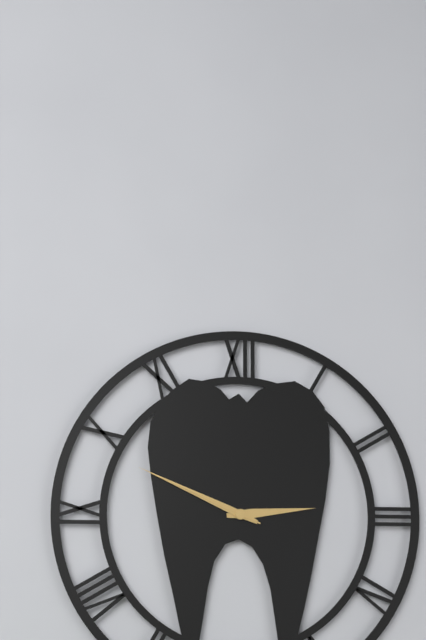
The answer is 2:49:49
